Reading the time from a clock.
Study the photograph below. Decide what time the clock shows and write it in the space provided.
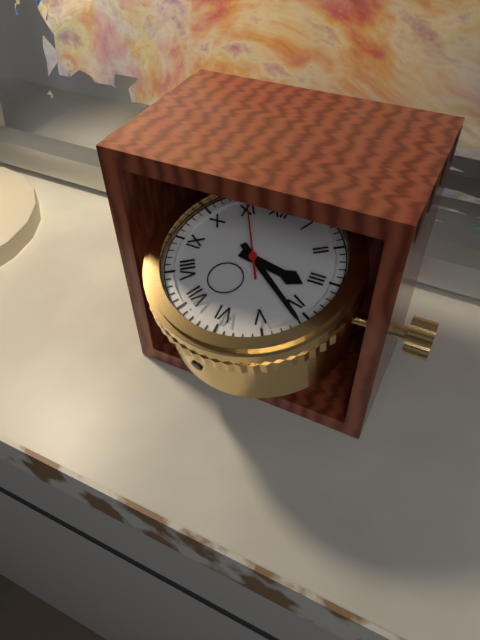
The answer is 3:21:55
